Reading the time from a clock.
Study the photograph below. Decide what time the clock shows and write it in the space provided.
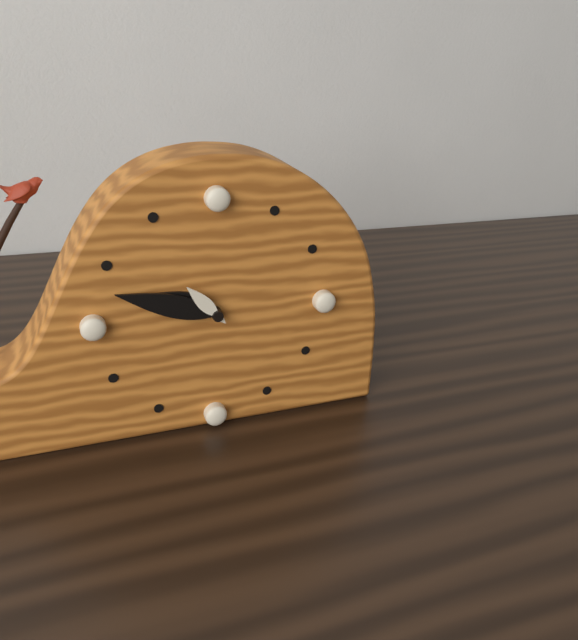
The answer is 9:48:53
